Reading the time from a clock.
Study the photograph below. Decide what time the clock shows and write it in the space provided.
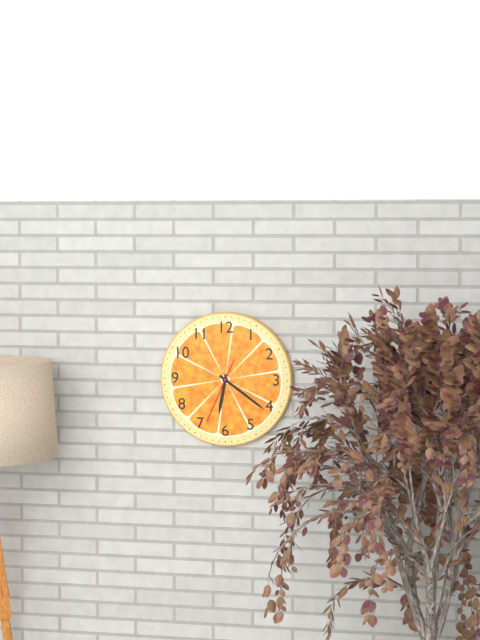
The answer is 6:21:34
